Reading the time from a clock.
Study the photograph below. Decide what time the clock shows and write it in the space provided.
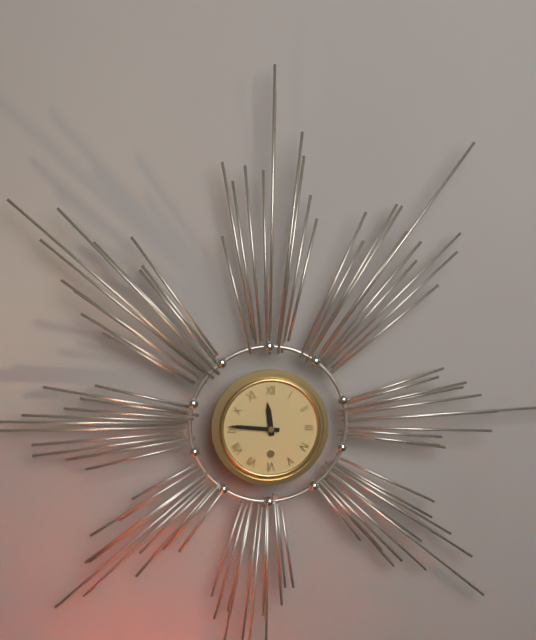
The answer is 11:46
